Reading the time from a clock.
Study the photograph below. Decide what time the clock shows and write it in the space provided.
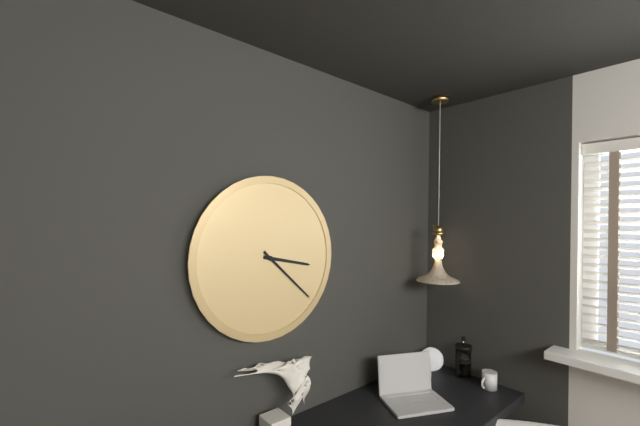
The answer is 3:22
